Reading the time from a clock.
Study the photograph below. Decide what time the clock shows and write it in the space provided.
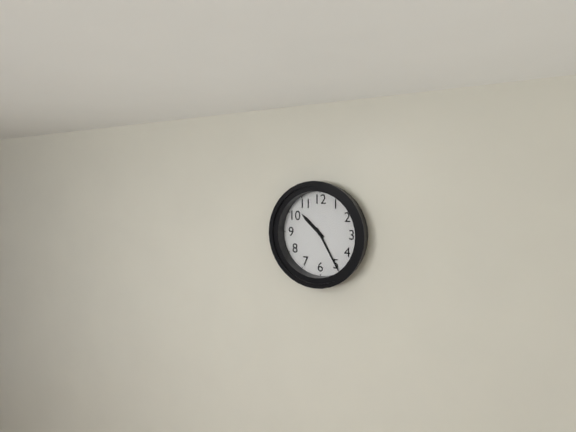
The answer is 10:25
